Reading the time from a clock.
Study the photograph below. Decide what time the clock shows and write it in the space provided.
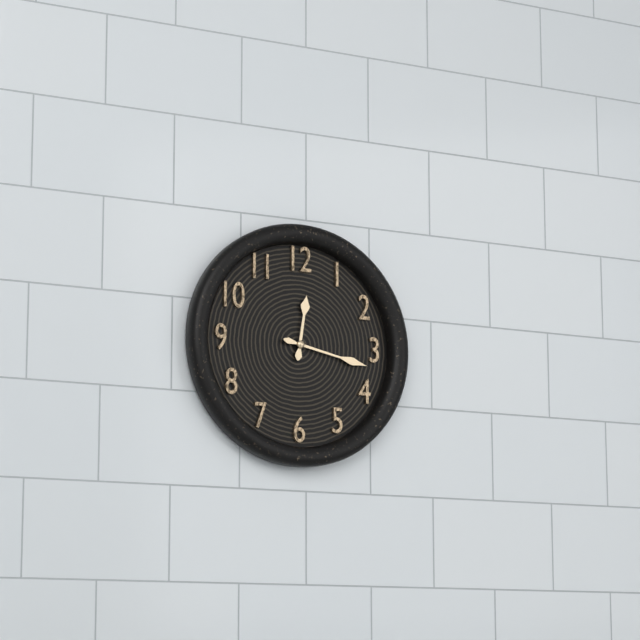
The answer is 12:17
